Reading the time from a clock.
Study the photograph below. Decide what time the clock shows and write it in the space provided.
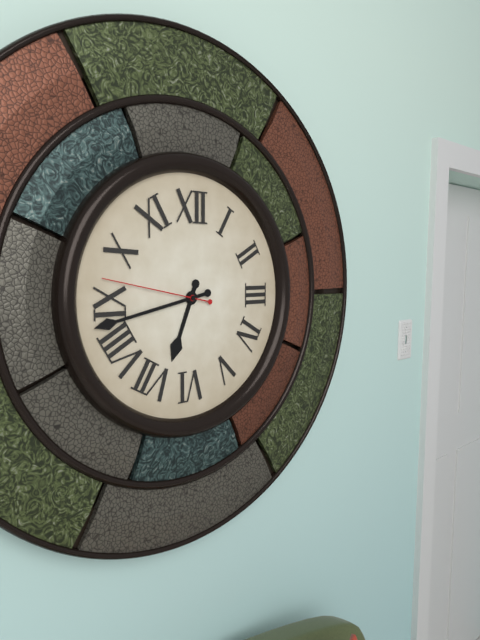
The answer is 6:43:47
